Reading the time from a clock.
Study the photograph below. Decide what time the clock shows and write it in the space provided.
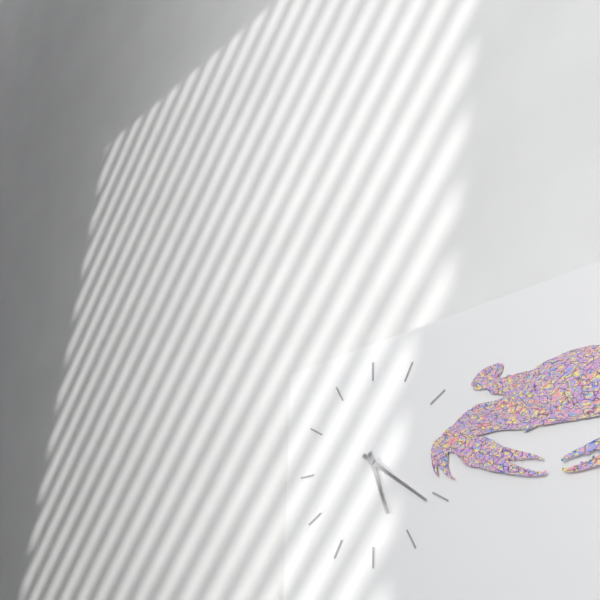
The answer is 5:21
